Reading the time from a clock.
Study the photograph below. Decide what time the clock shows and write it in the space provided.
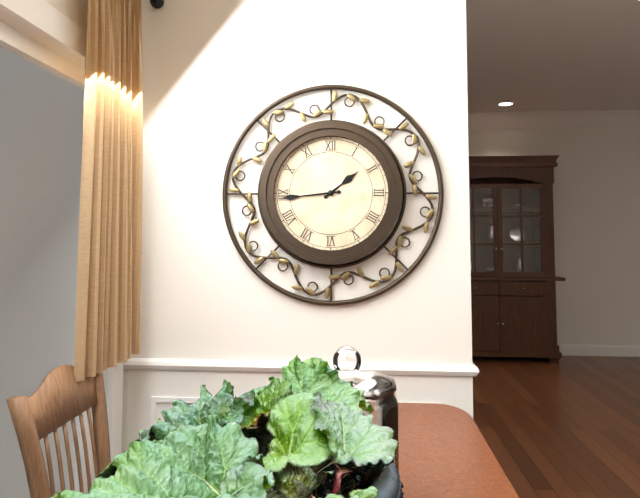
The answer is 1:44
